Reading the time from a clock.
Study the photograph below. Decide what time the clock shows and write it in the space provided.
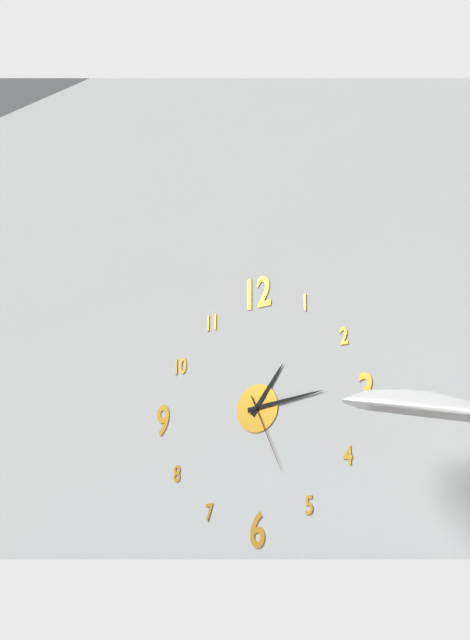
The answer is 1:14:26
